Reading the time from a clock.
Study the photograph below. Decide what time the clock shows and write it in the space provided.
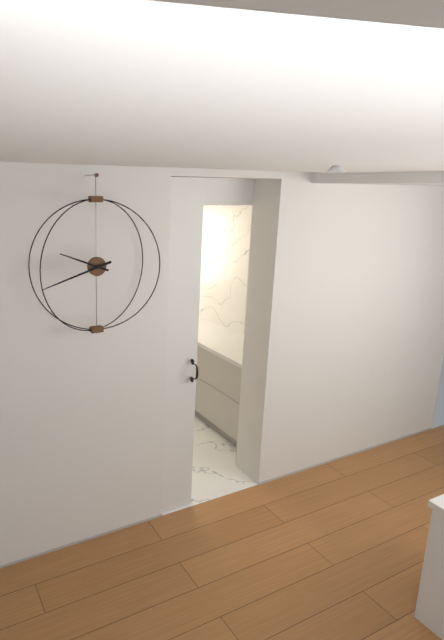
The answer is 9:42
